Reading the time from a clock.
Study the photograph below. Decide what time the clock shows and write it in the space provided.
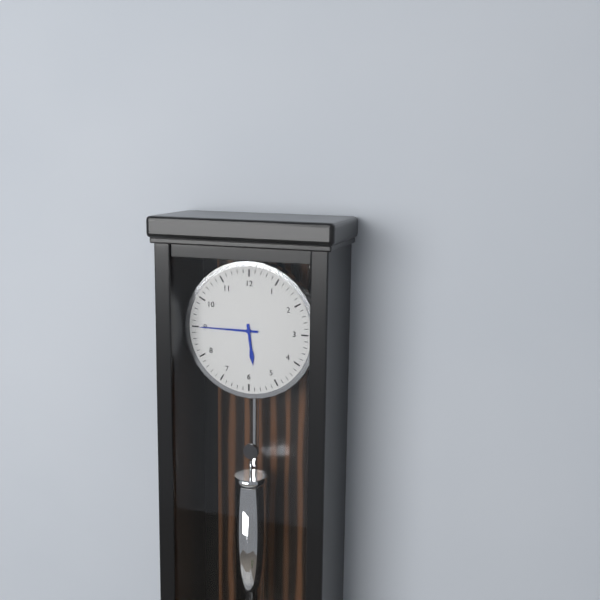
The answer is 5:45
